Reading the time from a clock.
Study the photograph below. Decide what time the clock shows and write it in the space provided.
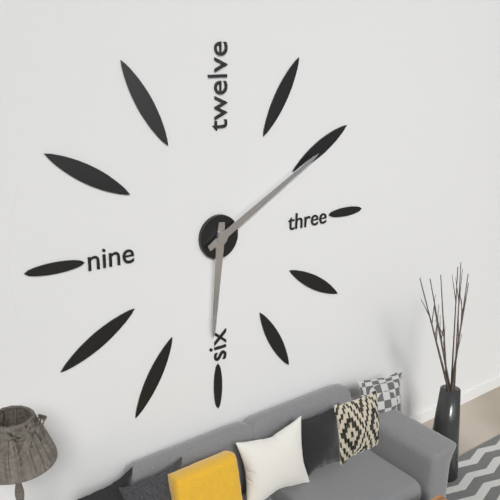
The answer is 6:10
